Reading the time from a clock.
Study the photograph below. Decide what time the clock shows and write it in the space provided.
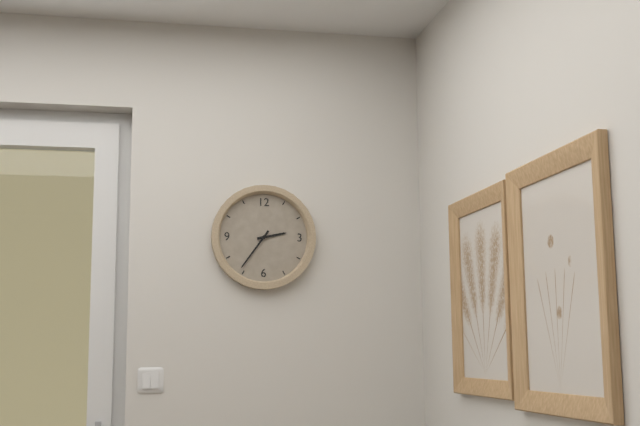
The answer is 2:36
